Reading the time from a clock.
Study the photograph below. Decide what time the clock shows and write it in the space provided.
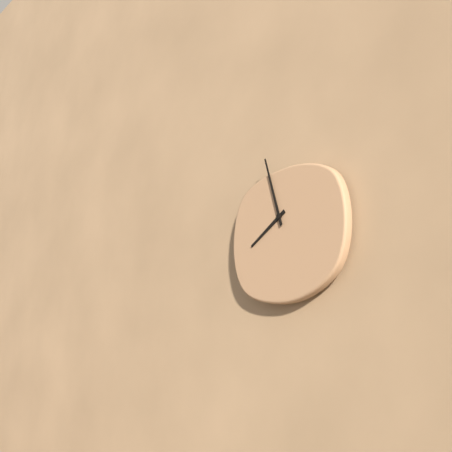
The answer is 7:57
